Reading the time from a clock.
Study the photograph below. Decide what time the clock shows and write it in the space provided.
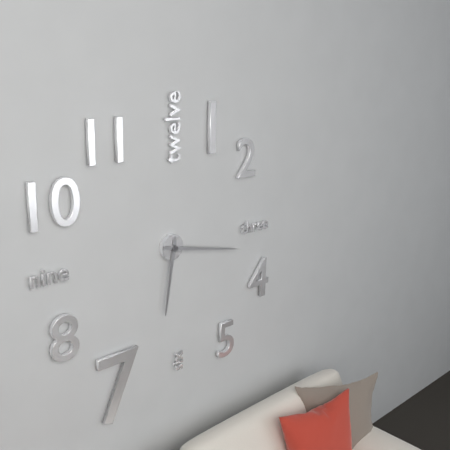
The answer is 6:17
